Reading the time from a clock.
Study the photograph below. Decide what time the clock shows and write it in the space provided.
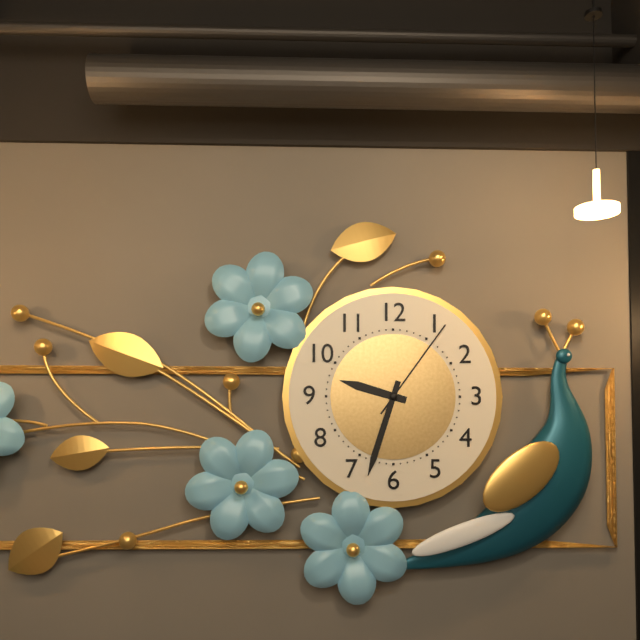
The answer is 9:33:06
